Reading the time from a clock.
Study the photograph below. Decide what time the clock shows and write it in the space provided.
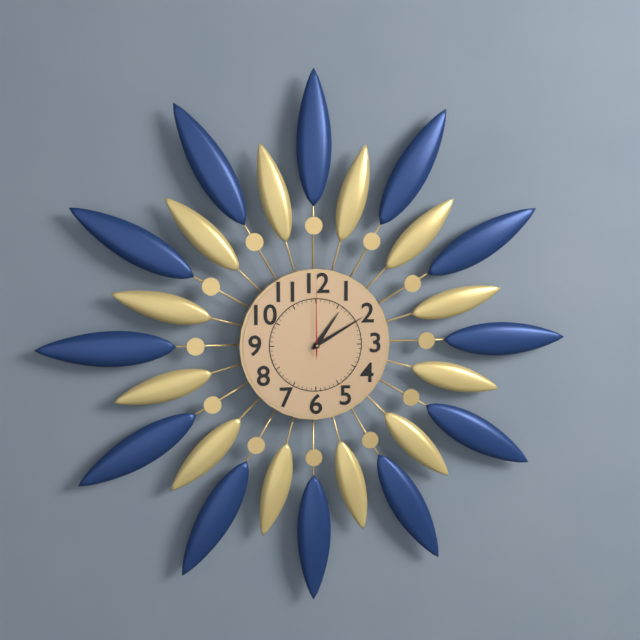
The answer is 1:10:00
